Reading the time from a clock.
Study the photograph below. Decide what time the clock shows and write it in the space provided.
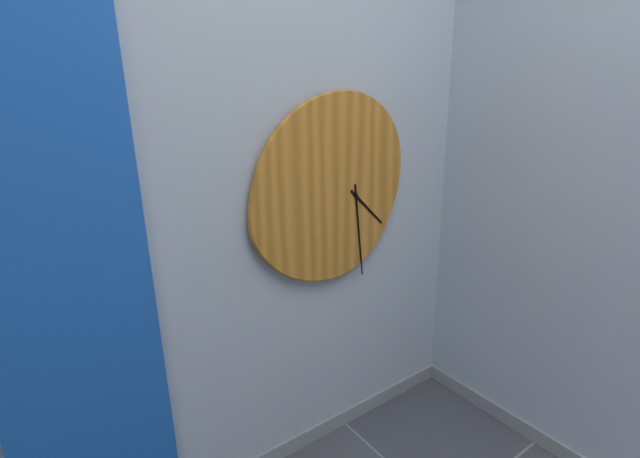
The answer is 4:29
